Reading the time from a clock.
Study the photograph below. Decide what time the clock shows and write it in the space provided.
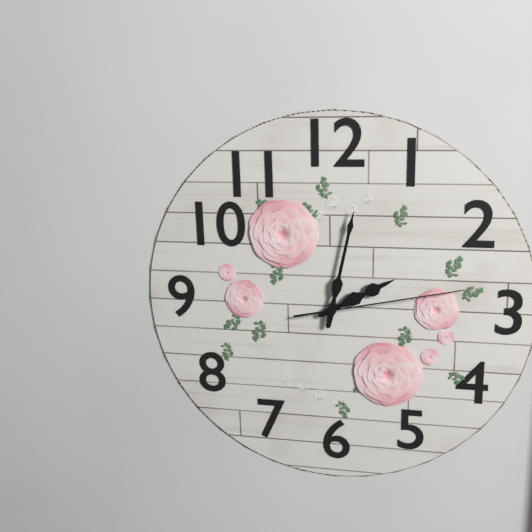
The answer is 2:02:13
